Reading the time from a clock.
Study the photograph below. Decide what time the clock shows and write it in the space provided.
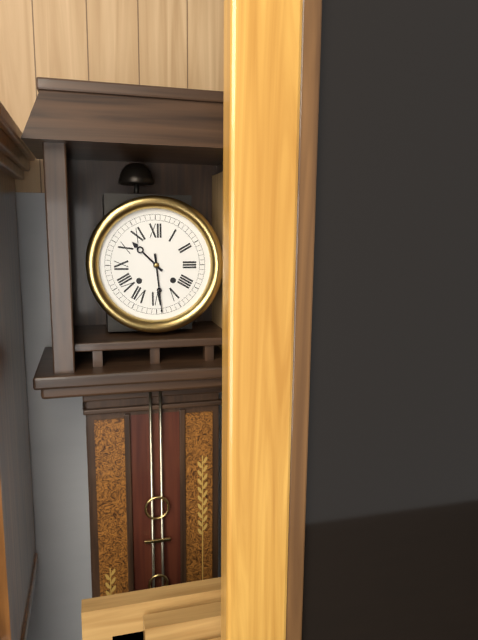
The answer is 10:29
